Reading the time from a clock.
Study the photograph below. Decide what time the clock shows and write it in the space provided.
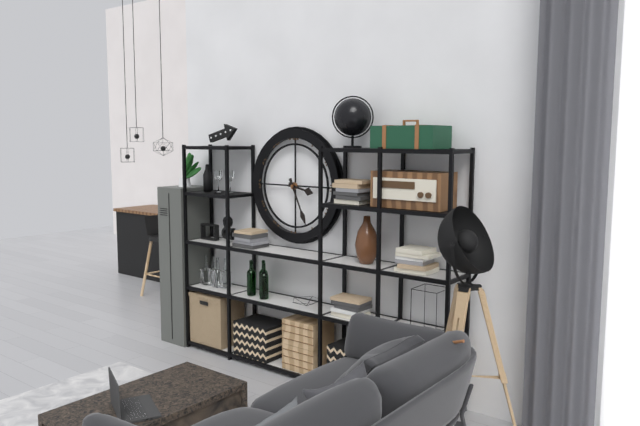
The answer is 3:26
